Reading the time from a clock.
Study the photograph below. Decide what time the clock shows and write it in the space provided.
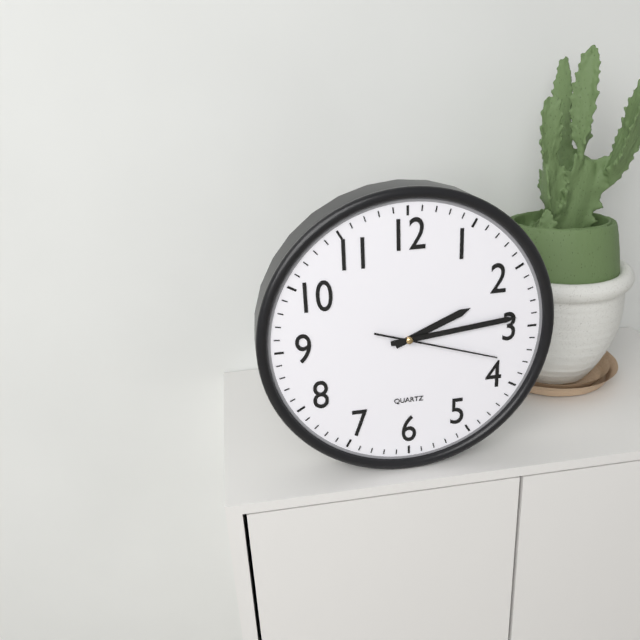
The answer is 2:14:18
